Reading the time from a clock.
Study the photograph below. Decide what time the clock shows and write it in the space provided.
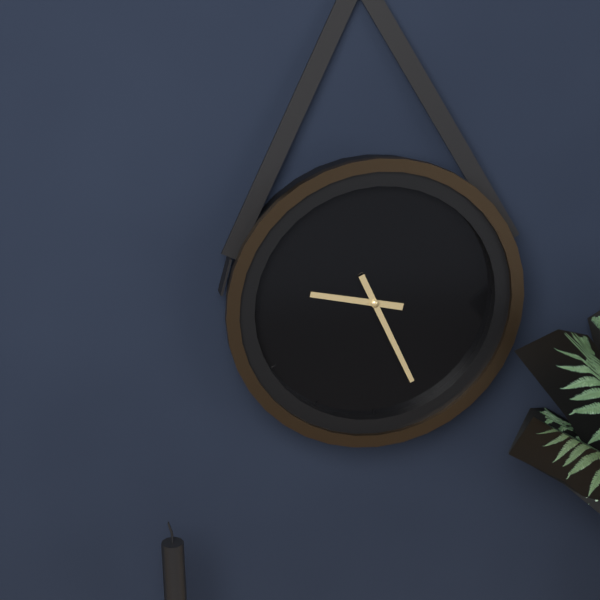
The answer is 9:26
